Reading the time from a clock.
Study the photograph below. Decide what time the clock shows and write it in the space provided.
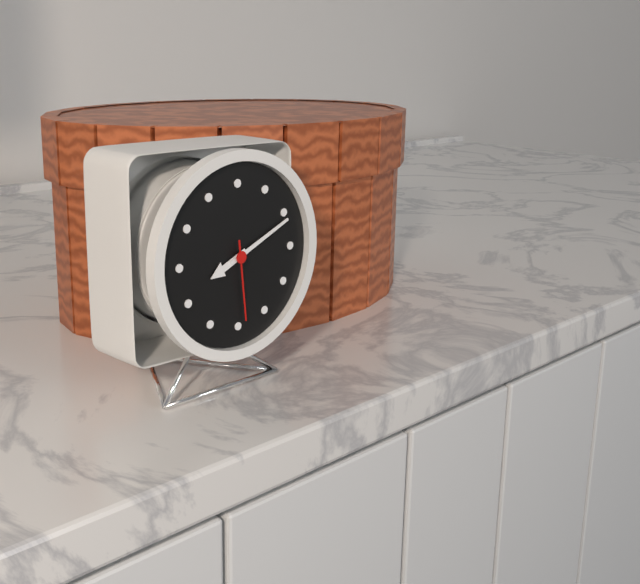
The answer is 8:11:29
